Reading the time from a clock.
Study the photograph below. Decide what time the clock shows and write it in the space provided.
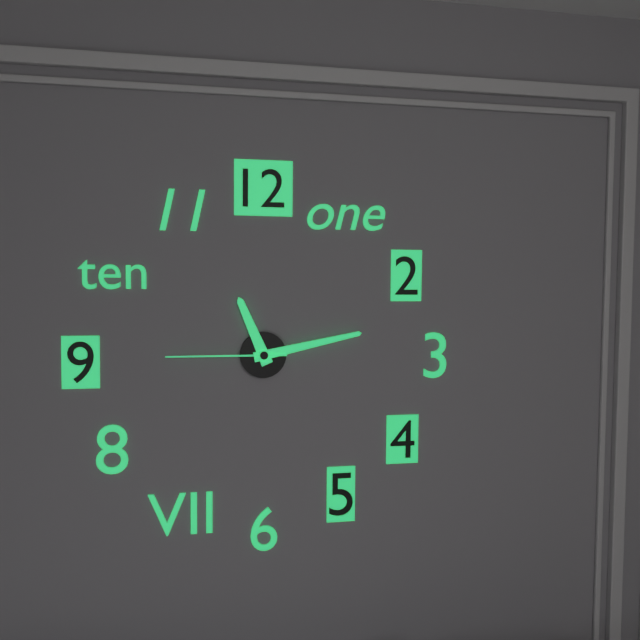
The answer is 11:13:45
